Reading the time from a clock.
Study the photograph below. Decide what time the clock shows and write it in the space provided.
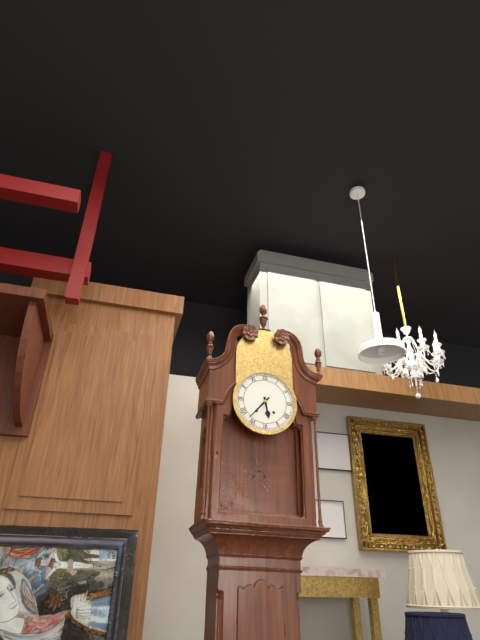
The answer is 5:37
